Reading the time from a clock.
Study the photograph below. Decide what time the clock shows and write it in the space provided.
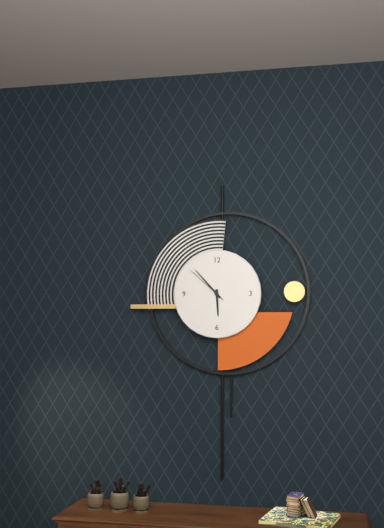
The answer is 5:53
